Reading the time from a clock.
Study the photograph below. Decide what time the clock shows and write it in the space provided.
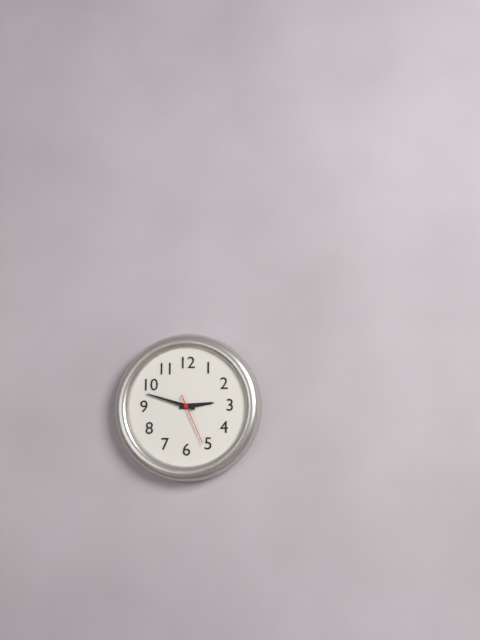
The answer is 2:48:26
